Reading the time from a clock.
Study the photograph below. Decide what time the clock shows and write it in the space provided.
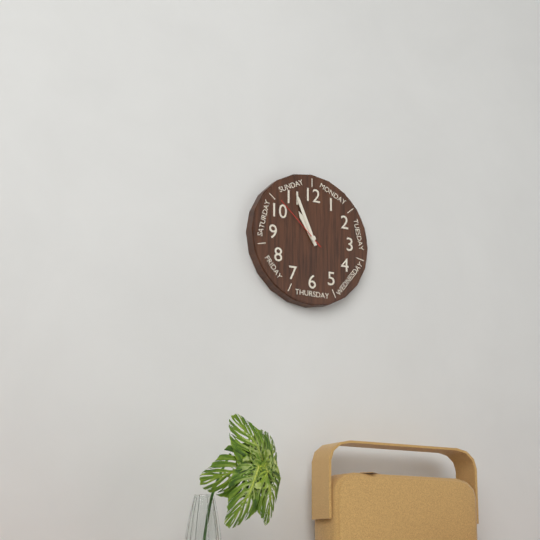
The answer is 10:56:52
